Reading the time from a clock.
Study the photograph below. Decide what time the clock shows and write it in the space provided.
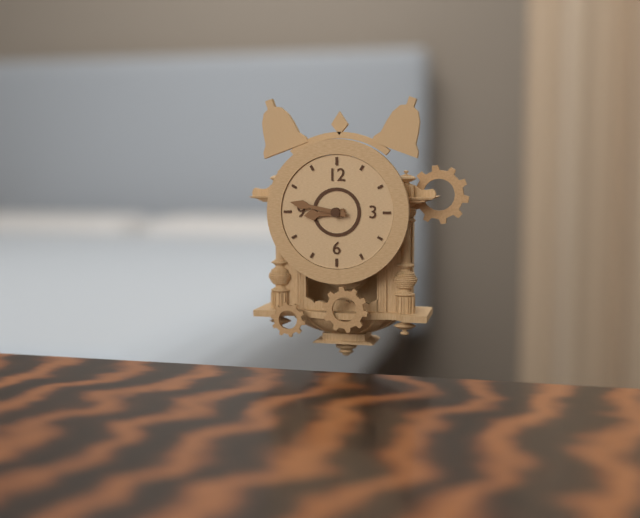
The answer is 8:47
